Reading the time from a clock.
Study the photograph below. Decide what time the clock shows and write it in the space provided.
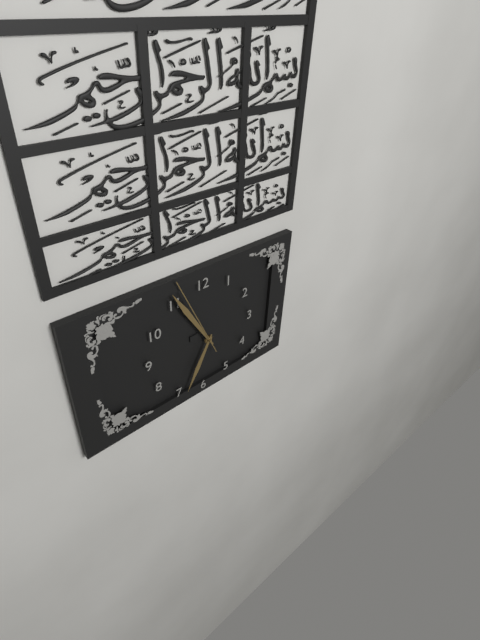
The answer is 6:55:56
